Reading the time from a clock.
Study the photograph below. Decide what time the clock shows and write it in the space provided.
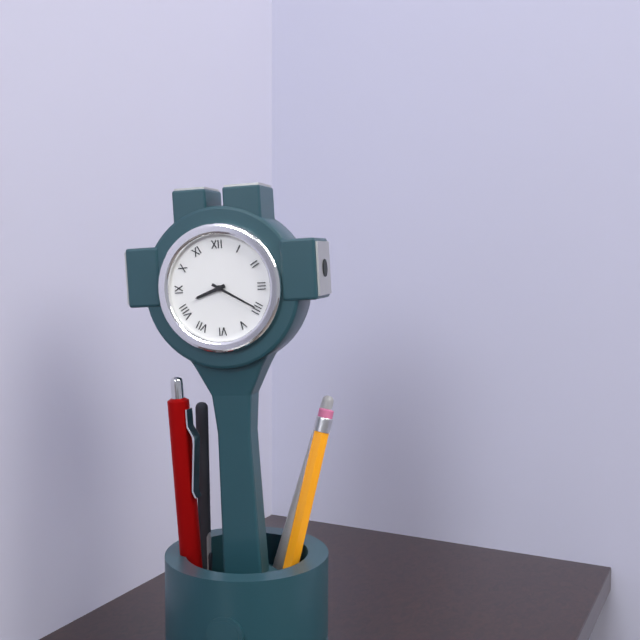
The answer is 8:20
